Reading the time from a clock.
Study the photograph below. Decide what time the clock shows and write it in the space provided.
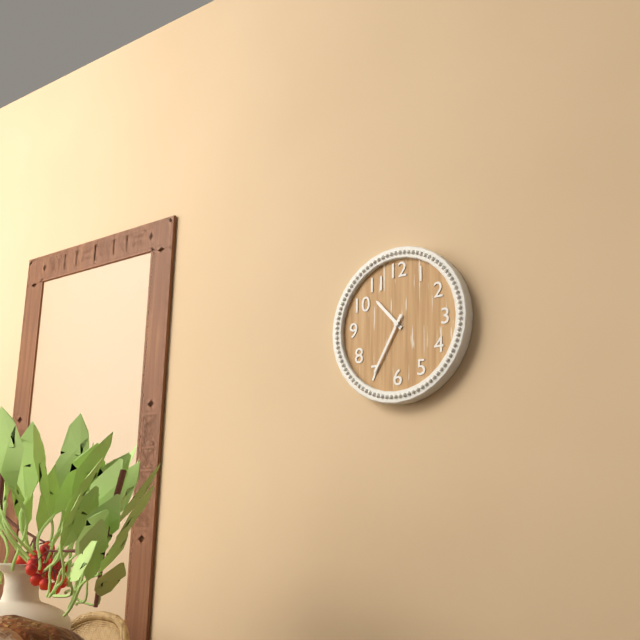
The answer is 10:35
